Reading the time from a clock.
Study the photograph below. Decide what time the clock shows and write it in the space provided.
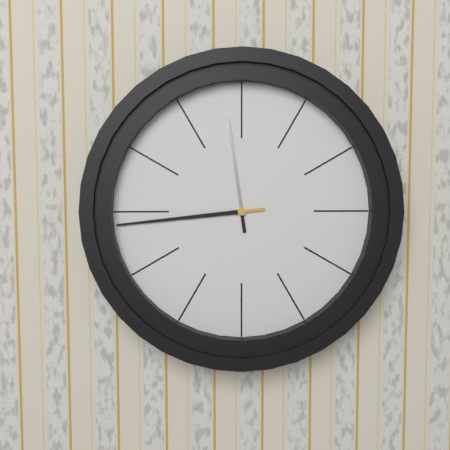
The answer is 11:44
